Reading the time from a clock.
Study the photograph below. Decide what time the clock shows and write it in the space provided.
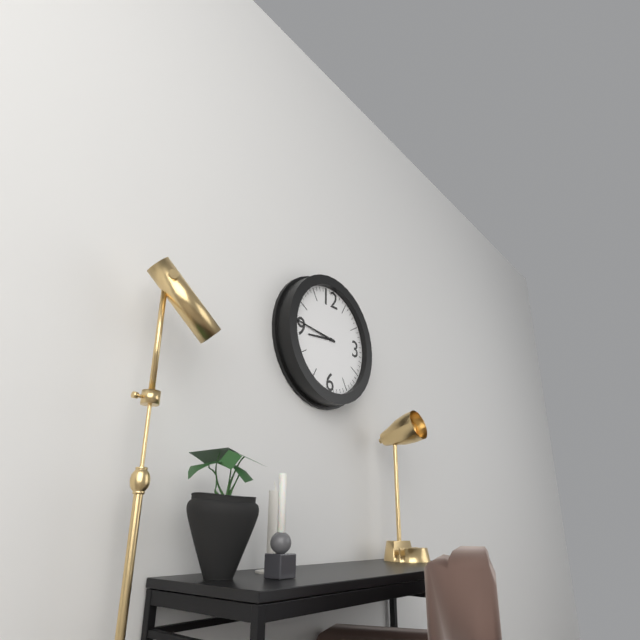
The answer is 8:46
